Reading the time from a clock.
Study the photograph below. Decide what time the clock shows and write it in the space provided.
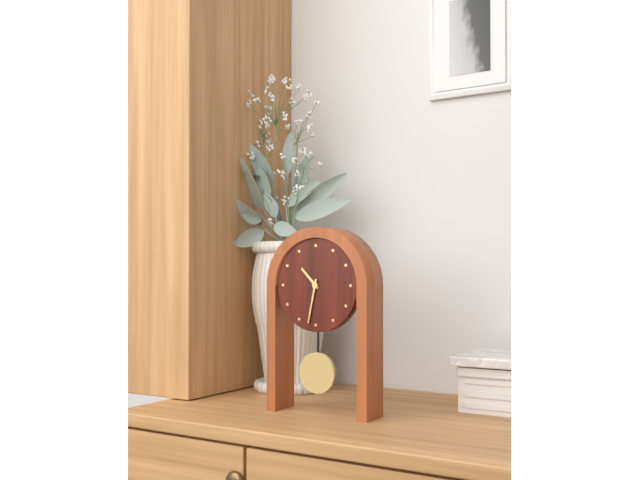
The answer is 10:32
